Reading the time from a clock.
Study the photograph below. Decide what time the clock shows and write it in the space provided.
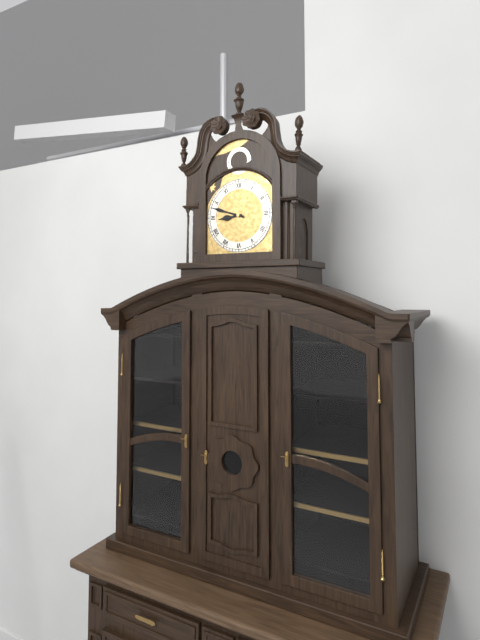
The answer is 8:48
